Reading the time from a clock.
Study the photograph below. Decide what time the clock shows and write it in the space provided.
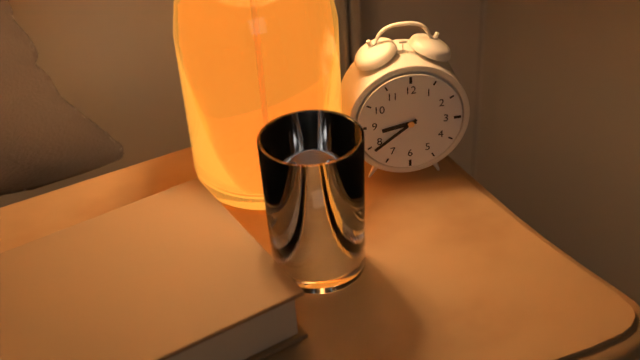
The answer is 8:39
